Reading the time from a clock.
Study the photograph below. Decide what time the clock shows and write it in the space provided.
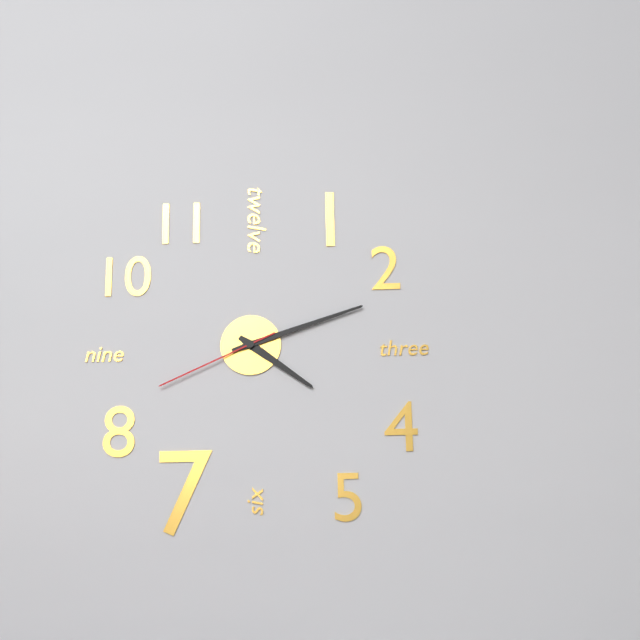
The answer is 4:12:41
